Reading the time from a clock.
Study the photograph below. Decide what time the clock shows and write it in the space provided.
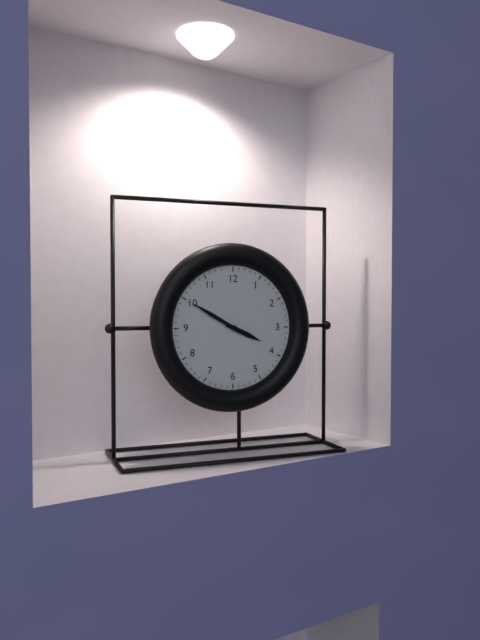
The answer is 3:50
